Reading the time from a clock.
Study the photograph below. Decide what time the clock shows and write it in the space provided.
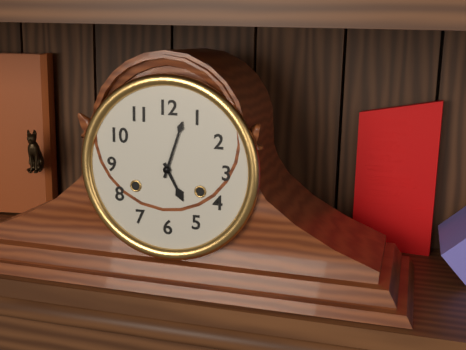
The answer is 5:03
